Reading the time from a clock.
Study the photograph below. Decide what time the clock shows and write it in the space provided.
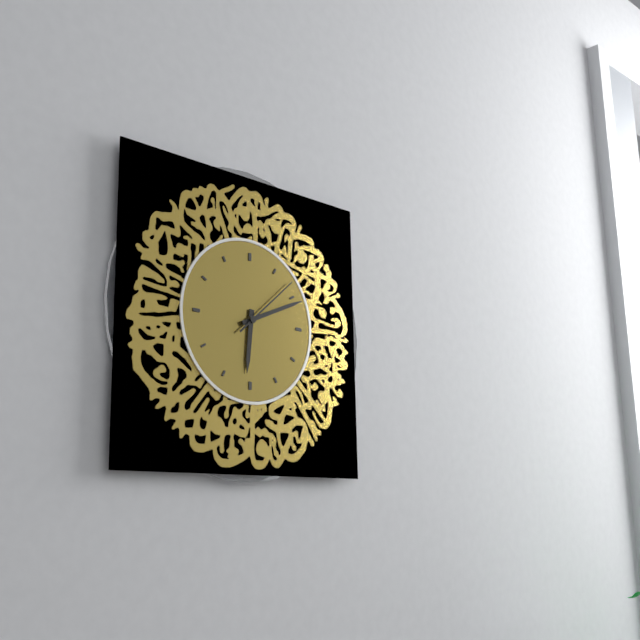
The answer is 6:11:08
